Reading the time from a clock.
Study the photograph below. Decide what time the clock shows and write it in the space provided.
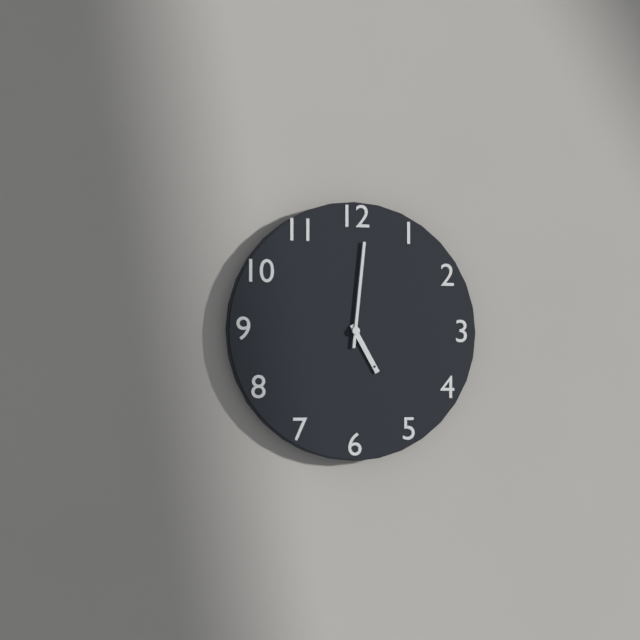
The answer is 5:01
